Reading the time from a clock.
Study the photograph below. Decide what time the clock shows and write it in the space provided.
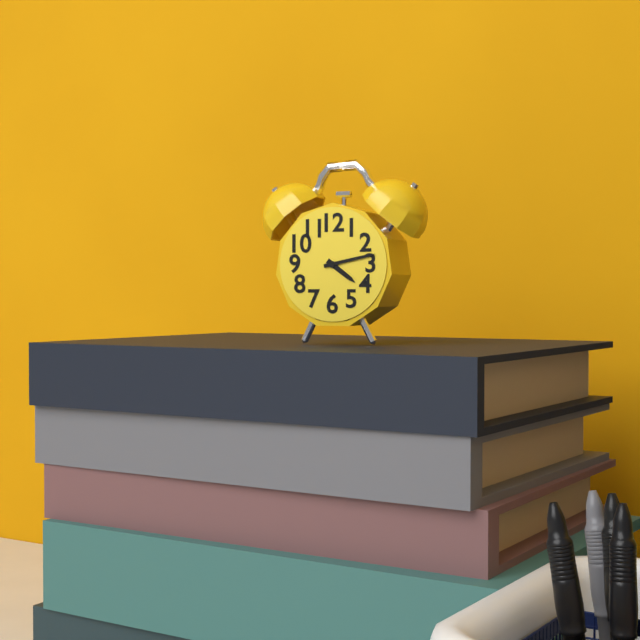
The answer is 4:13
